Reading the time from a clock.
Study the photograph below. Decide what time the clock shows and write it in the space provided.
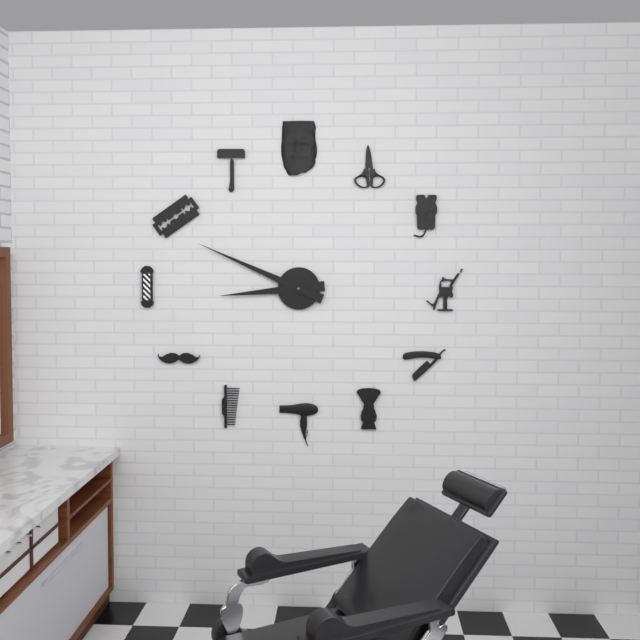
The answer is 8:49
